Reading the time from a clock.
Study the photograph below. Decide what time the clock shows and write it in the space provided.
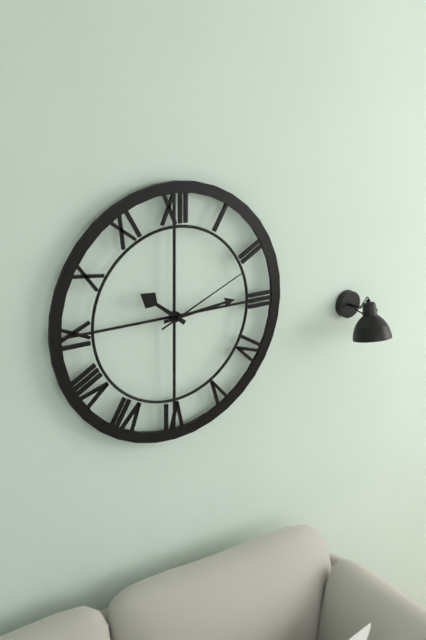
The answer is 10:14:11
